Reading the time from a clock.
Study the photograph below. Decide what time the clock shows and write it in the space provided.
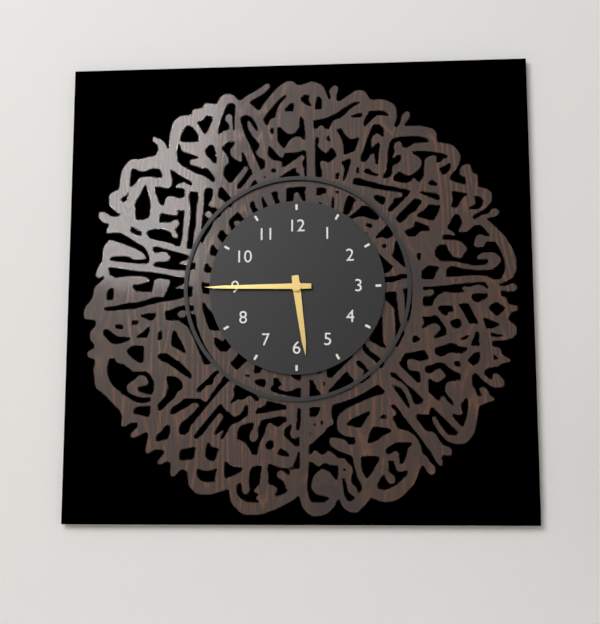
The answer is 5:45
